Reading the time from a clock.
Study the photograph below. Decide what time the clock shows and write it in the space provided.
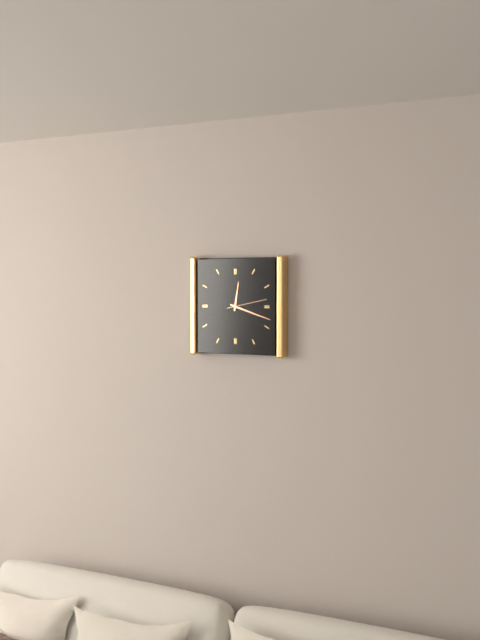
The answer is 12:18
